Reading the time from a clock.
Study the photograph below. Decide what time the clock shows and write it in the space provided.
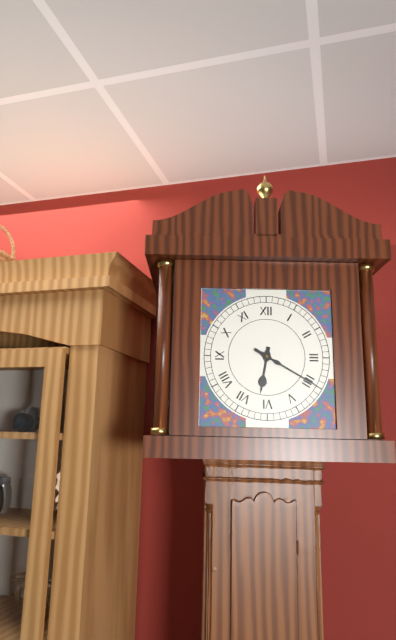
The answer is 6:20
